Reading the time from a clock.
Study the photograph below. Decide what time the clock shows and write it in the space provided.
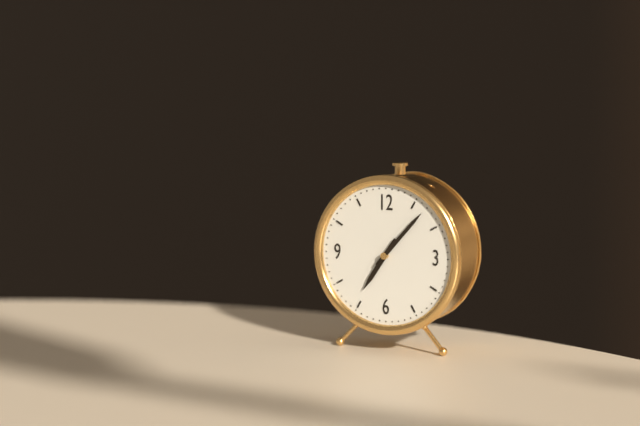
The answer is 7:07
